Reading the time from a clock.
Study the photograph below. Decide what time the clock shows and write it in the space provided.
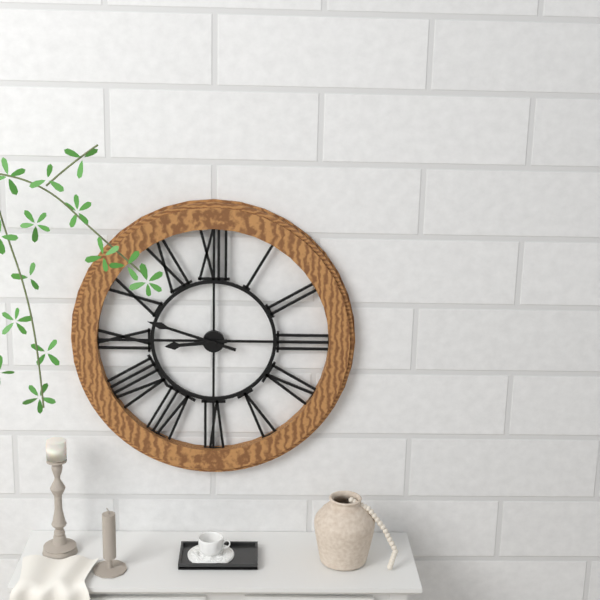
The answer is 8:48
